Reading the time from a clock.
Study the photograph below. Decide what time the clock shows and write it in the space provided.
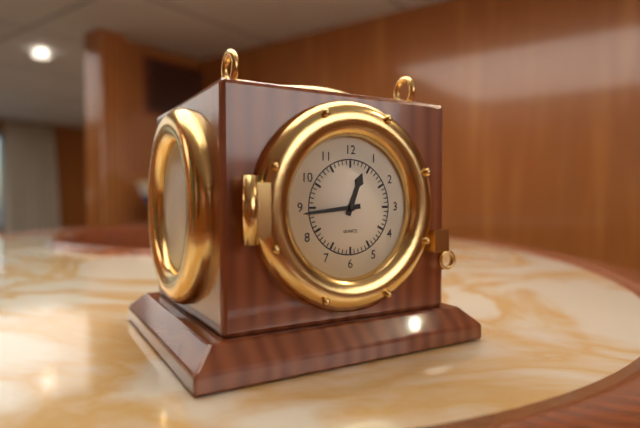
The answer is 12:44
